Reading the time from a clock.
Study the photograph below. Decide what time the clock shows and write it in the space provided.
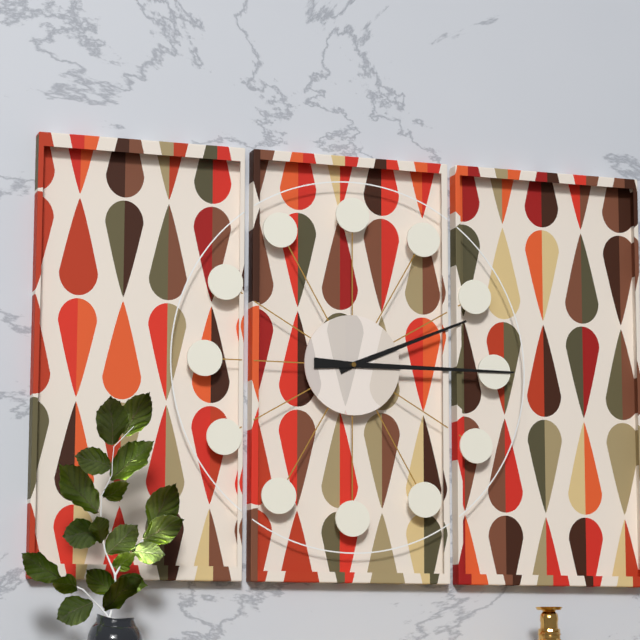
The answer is 2:15
